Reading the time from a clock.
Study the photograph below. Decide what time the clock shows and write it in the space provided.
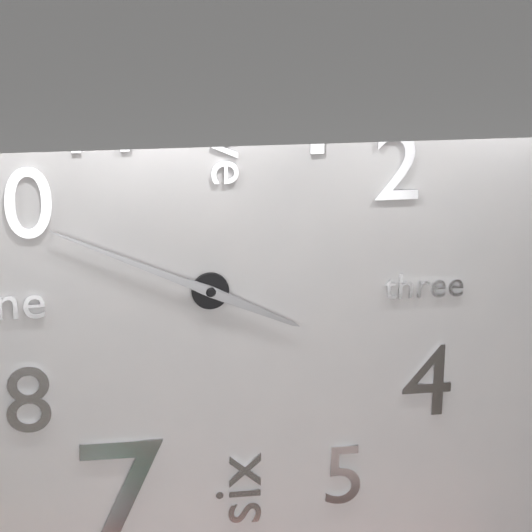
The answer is 3:49
